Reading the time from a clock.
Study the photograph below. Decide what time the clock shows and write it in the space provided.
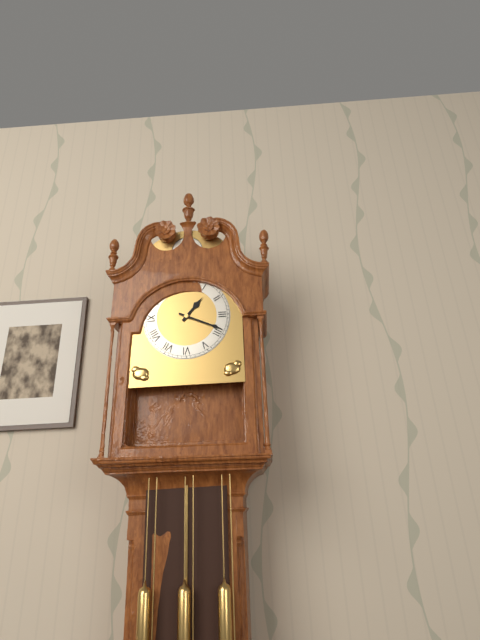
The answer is 1:19
